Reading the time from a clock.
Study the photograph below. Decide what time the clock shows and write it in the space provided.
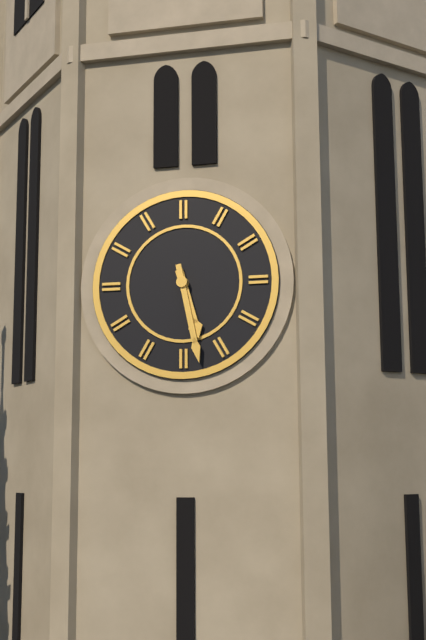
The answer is 5:28
